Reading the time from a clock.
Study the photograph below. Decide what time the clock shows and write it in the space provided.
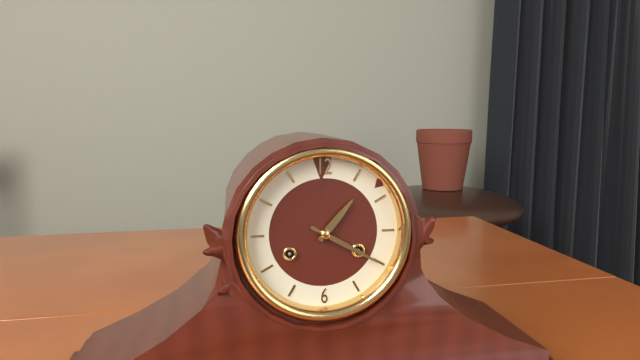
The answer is 1:20
